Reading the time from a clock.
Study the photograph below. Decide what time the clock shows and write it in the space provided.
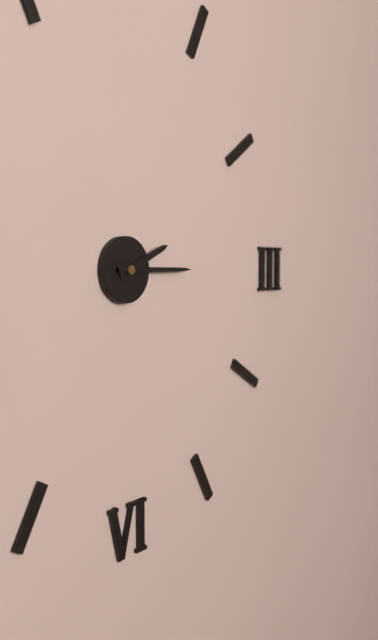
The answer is 2:15
